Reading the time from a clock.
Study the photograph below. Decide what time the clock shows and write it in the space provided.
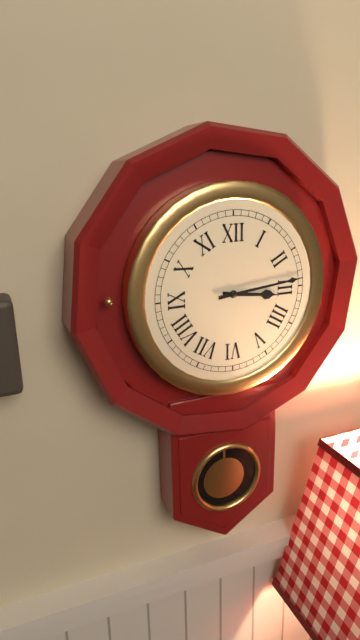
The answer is 3:14
